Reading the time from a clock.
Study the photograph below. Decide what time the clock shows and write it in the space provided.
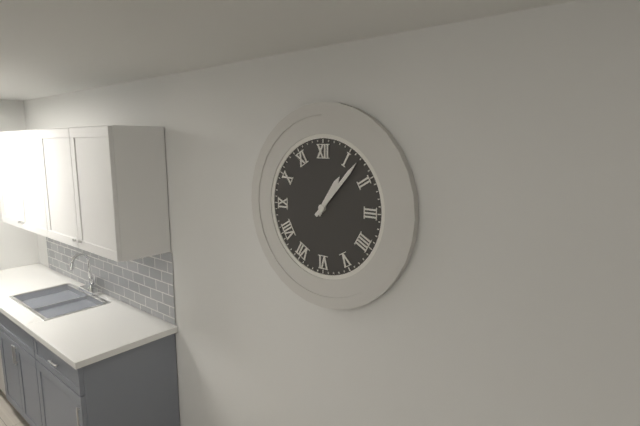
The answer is 1:07
